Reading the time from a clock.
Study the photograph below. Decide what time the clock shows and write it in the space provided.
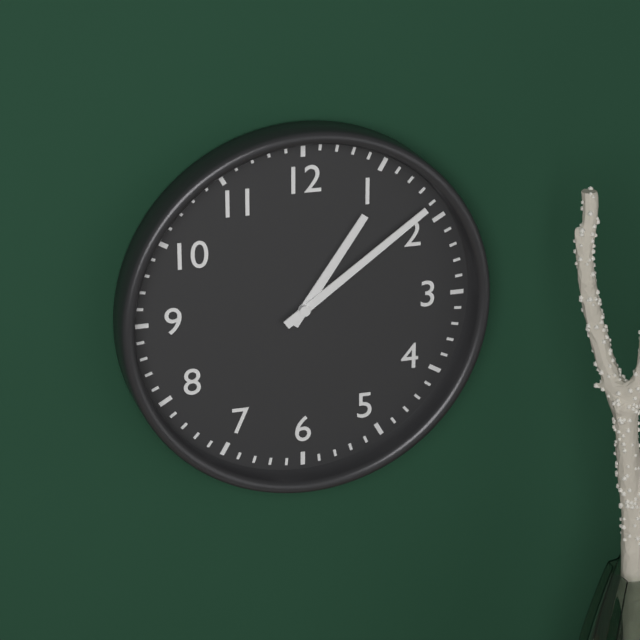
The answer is 1:09
